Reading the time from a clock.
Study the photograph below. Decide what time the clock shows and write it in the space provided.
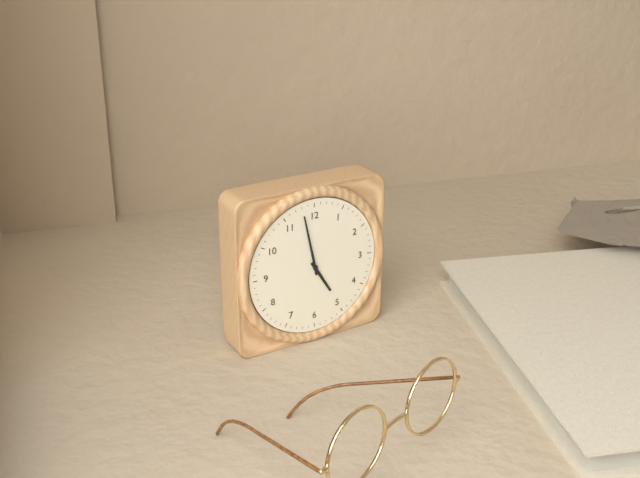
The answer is 4:58
